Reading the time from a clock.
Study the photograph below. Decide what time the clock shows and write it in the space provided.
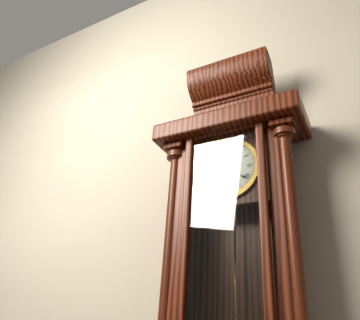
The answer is 5:21
